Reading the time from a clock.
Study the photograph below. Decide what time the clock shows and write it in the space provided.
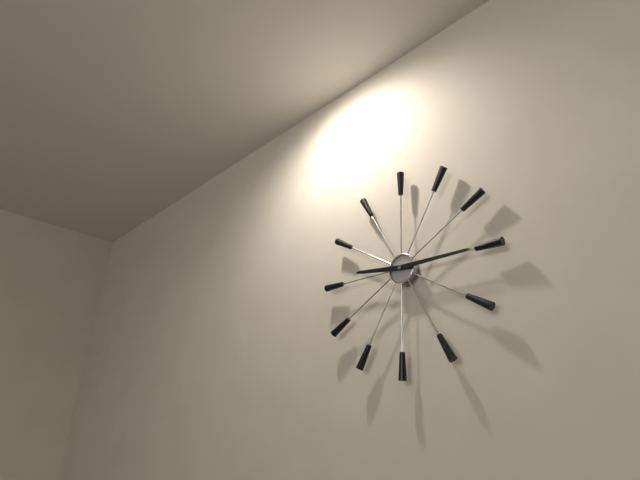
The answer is 9:15
